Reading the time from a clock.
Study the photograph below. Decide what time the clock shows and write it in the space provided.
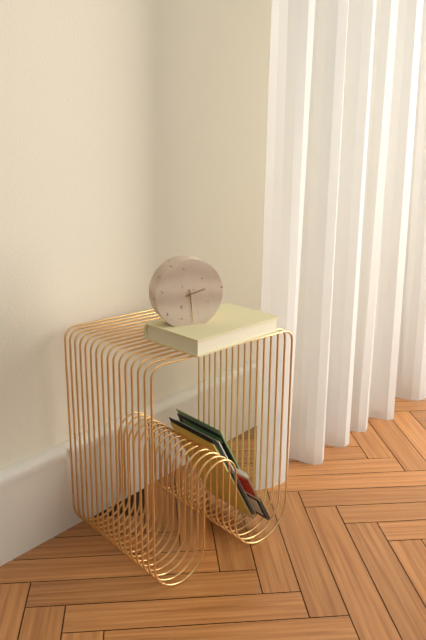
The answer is 2:29
